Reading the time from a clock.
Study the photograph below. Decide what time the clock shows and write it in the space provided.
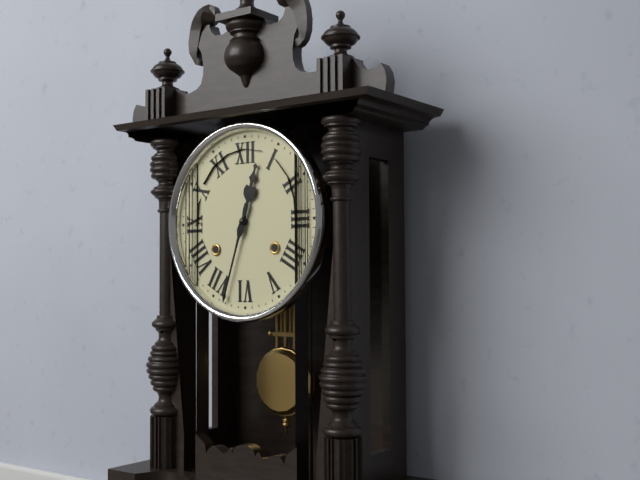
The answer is 12:33
